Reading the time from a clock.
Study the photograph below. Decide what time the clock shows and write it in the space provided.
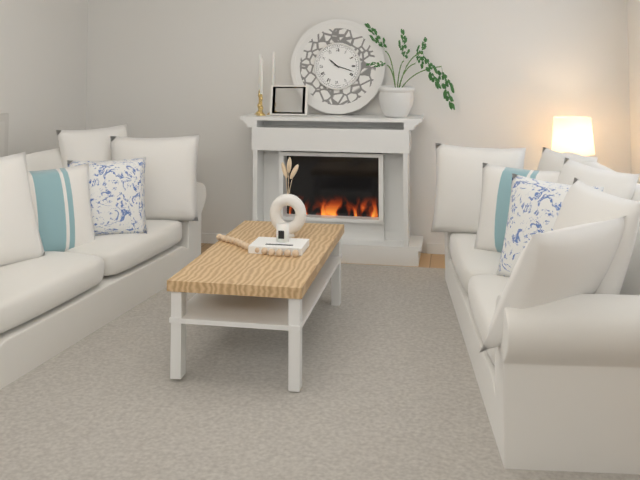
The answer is 10:18
